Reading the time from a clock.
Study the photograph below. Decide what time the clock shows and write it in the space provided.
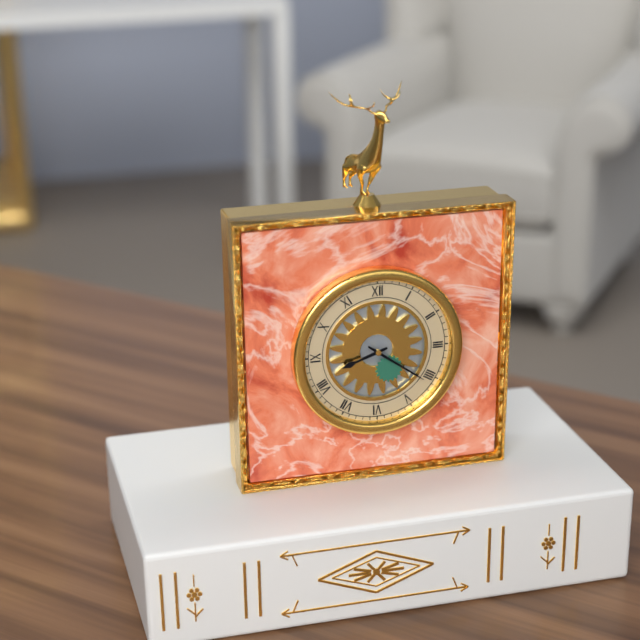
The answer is 8:21
